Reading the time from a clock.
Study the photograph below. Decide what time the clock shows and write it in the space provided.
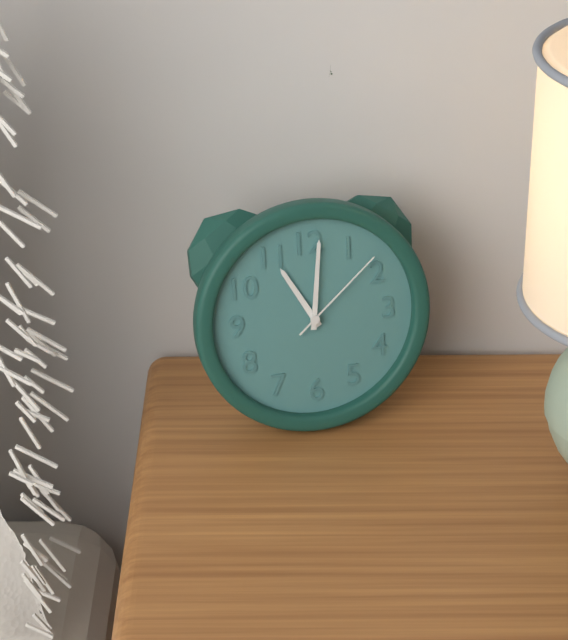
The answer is 11:01:08
